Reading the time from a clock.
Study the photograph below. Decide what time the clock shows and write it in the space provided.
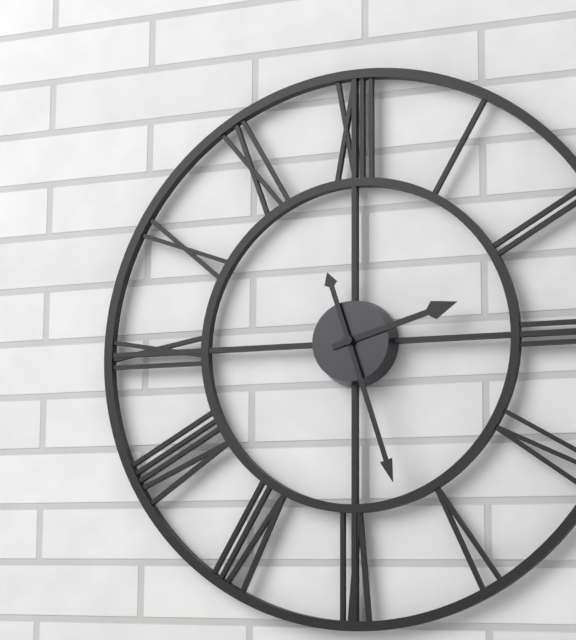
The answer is 2:27
